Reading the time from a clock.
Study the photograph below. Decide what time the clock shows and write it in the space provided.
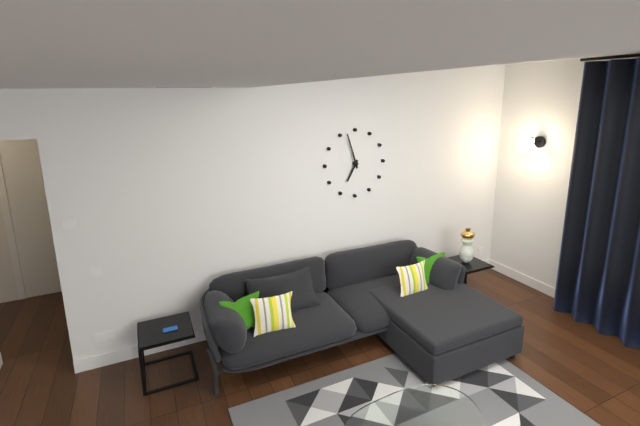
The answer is 6:57
